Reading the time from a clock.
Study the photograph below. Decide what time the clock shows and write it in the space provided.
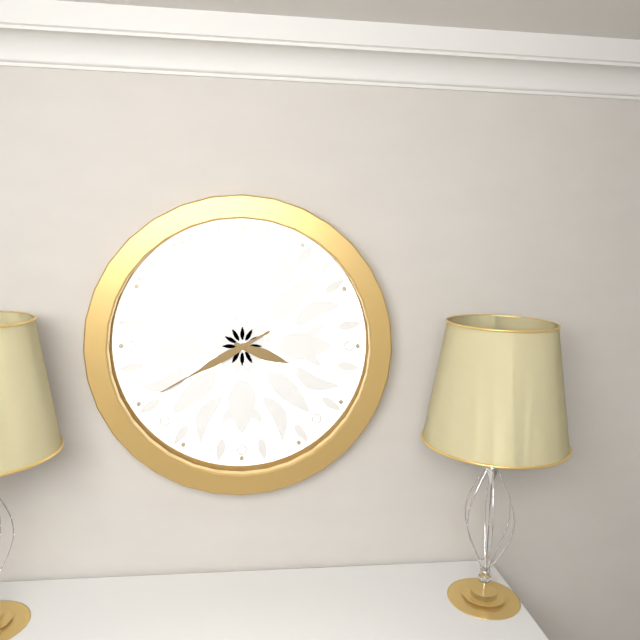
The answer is 3:40
